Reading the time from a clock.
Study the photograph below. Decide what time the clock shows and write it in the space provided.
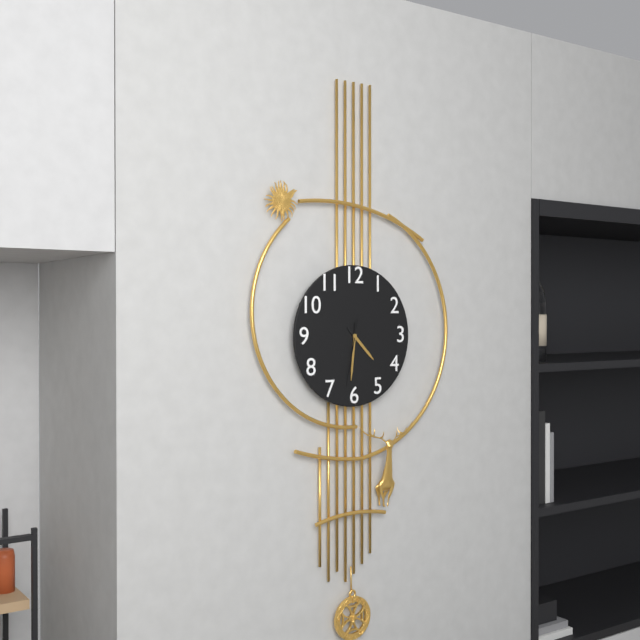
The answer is 4:31:32
